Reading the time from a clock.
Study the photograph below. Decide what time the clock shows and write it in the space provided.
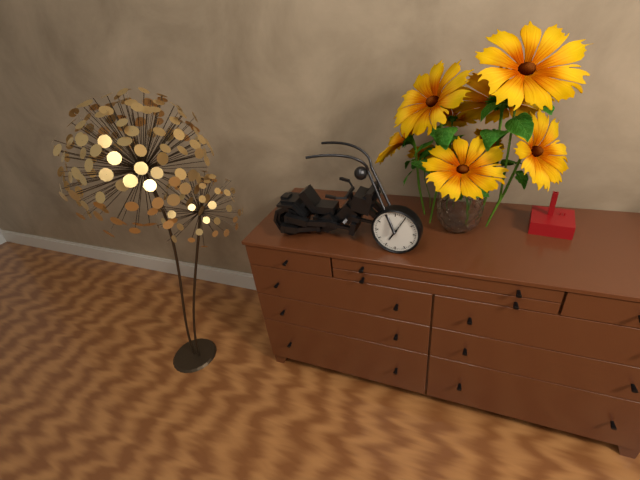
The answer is 7:05
